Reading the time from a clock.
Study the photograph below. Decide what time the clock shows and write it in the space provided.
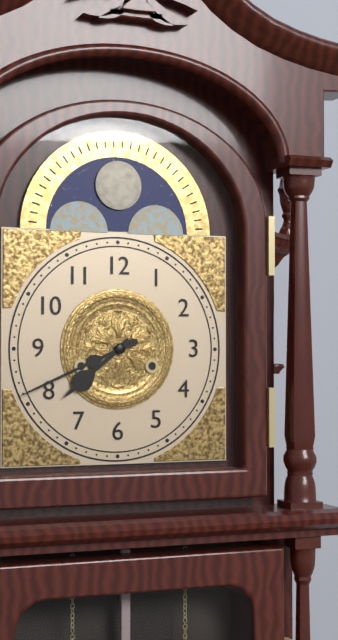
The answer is 7:41
